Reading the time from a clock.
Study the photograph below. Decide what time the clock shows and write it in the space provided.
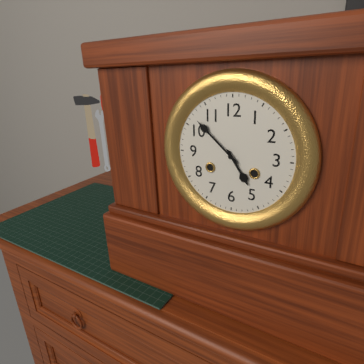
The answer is 4:52
